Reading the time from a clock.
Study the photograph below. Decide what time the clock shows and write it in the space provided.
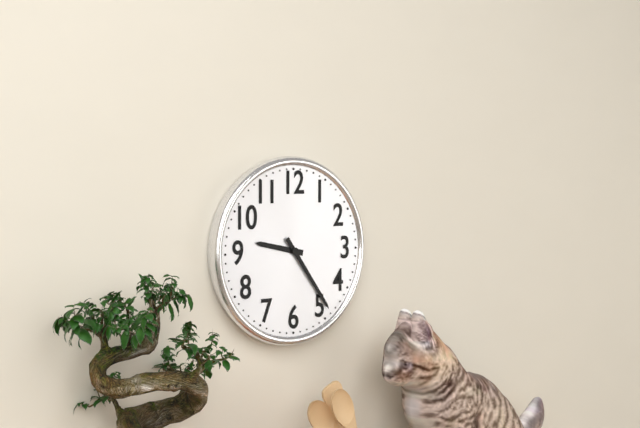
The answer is 9:24
